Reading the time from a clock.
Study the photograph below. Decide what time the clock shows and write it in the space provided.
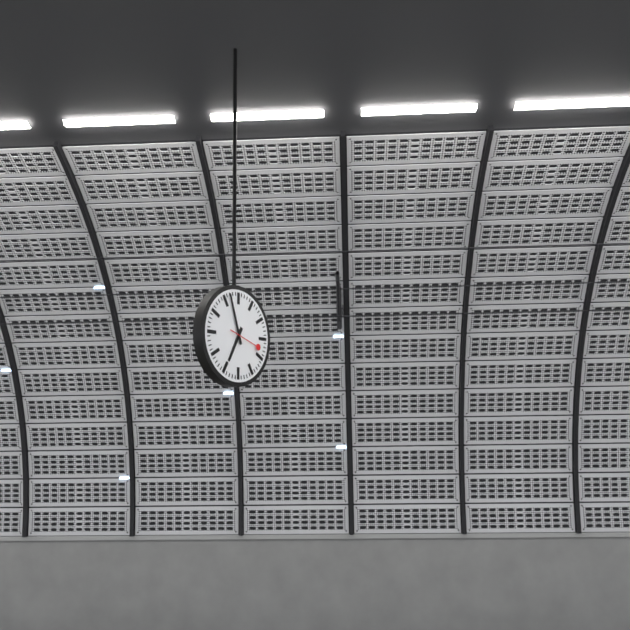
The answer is 6:57
